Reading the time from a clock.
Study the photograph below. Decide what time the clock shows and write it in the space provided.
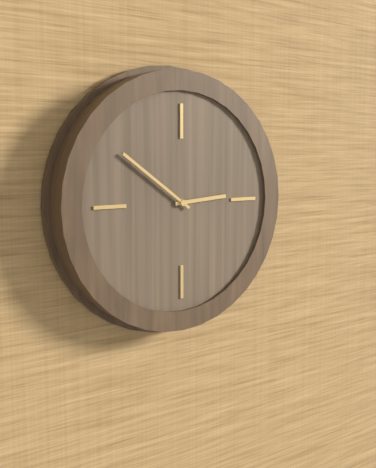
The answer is 2:51
